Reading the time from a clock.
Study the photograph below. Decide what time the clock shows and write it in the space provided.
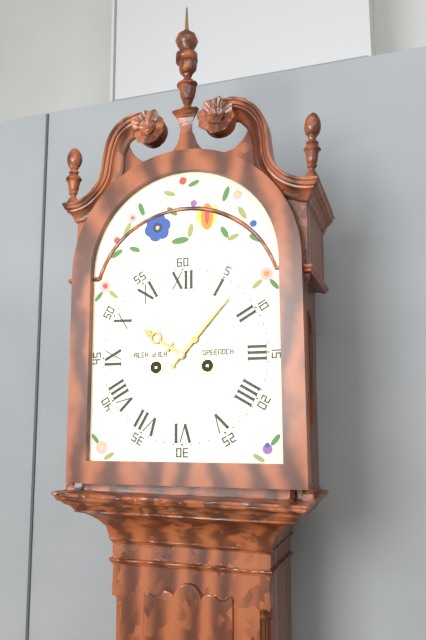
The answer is 10:07
